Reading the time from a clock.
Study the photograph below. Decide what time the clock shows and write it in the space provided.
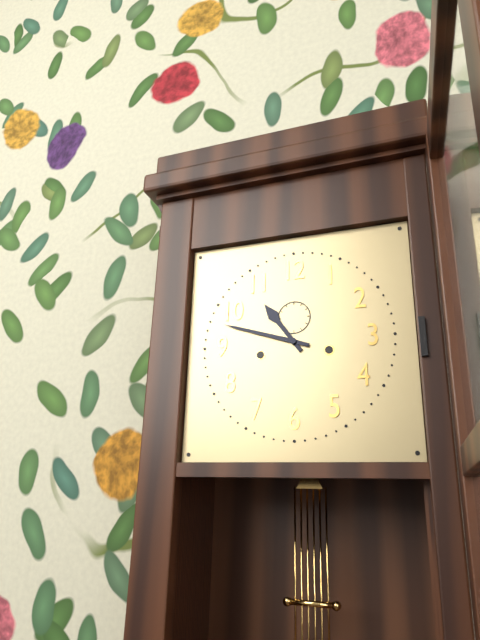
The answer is 10:48
